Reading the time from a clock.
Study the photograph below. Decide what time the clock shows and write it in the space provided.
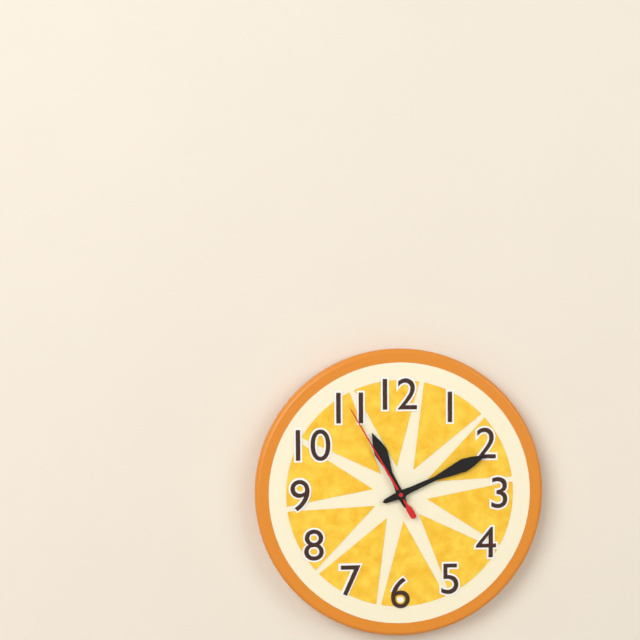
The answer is 11:11:55
